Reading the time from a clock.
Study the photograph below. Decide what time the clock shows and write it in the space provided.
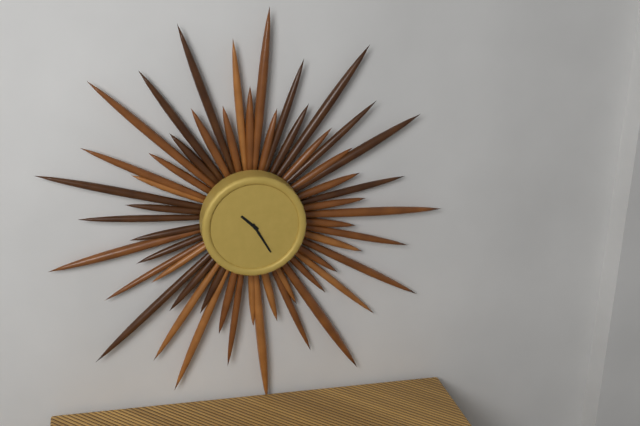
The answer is 10:25
